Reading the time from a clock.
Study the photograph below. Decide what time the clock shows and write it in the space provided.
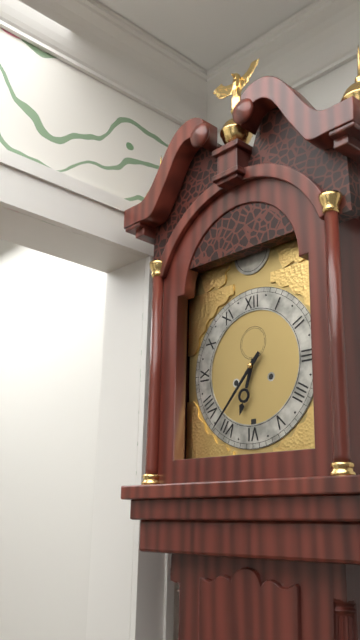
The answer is 6:37
